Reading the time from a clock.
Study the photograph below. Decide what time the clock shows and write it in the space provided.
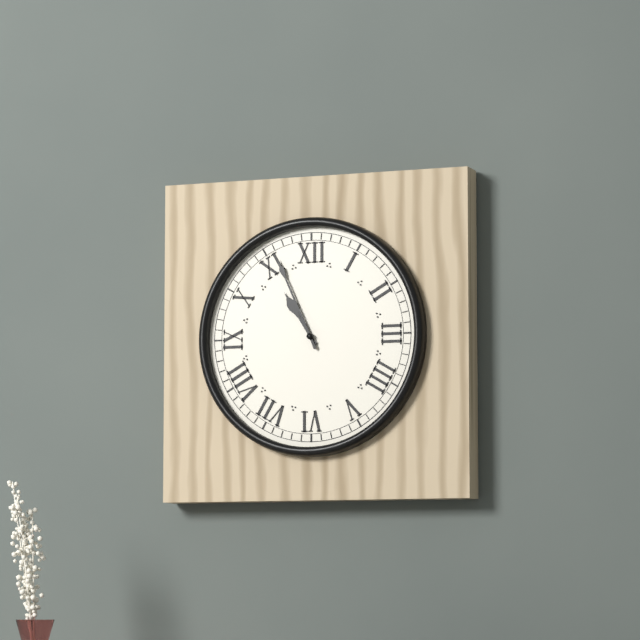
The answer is 10:56
